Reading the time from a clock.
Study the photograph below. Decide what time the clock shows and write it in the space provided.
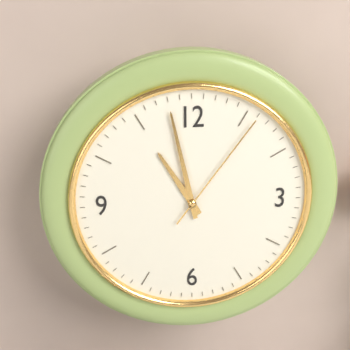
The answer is 10:58:06
